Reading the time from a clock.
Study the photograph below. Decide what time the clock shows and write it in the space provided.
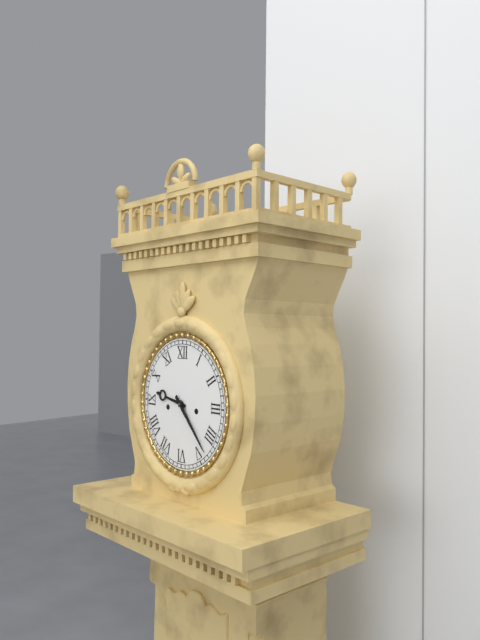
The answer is 9:23
